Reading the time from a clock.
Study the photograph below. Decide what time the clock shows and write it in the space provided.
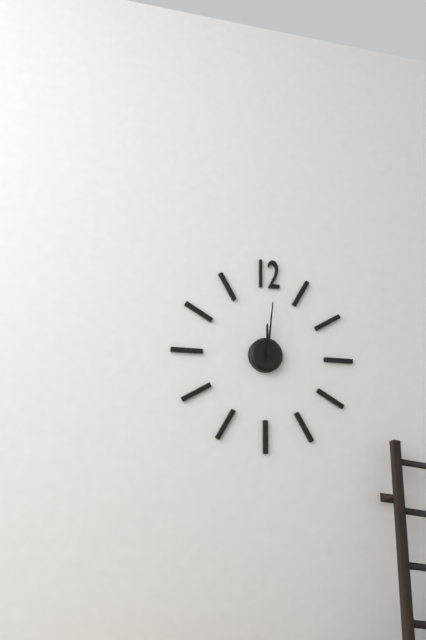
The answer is 12:01
